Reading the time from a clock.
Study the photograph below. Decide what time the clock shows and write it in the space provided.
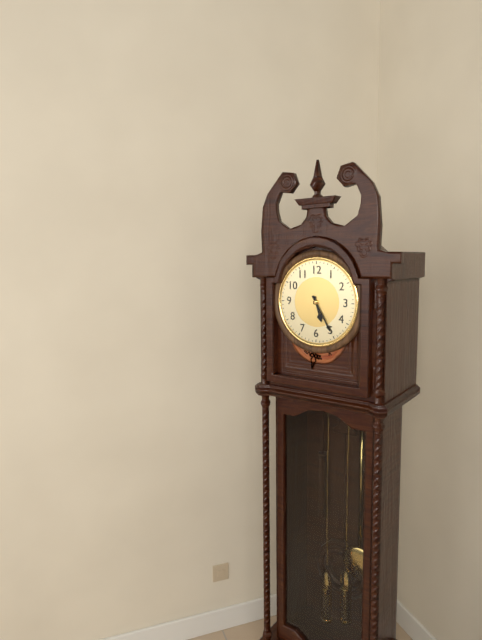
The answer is 5:25
